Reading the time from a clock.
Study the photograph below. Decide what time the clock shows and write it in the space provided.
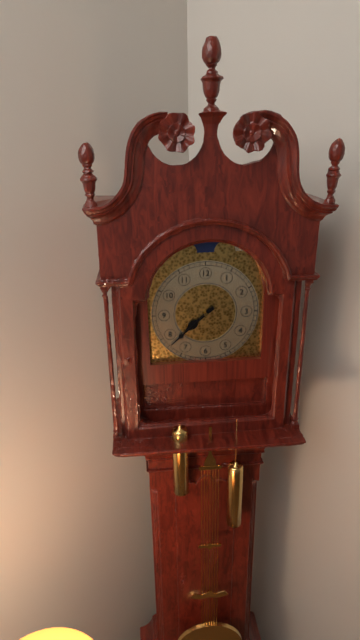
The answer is 7:38
